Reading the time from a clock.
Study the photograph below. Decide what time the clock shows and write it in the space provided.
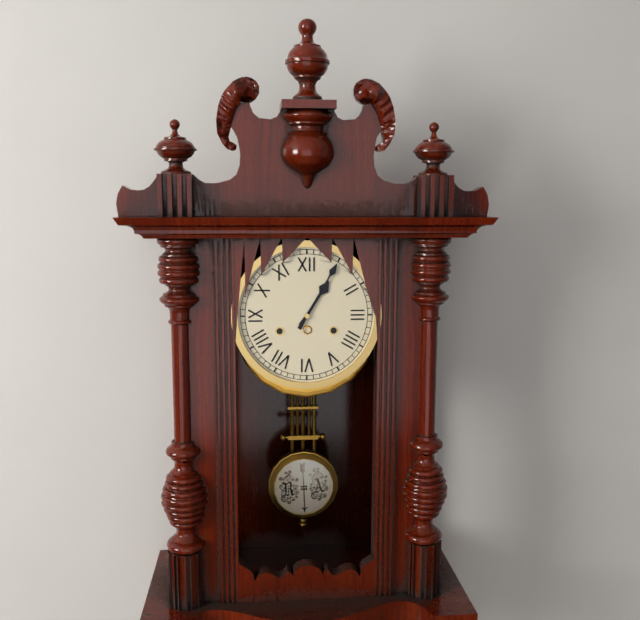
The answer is 1:05
